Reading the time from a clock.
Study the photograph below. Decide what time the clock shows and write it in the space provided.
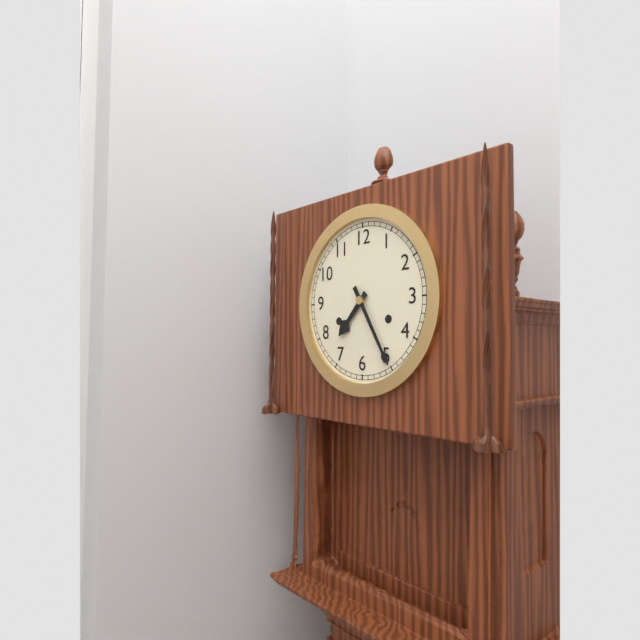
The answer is 7:25
